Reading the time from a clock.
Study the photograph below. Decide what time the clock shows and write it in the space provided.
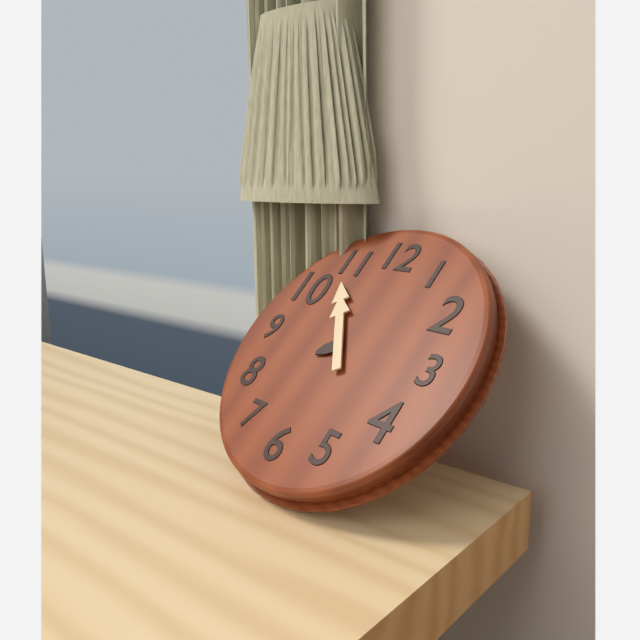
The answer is 7:54
